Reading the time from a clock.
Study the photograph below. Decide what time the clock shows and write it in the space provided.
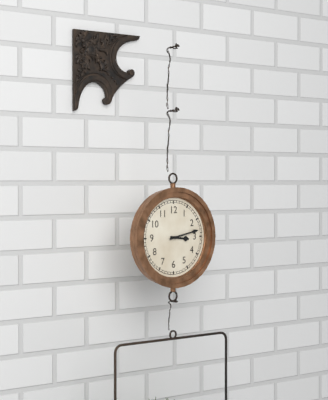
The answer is 3:13
